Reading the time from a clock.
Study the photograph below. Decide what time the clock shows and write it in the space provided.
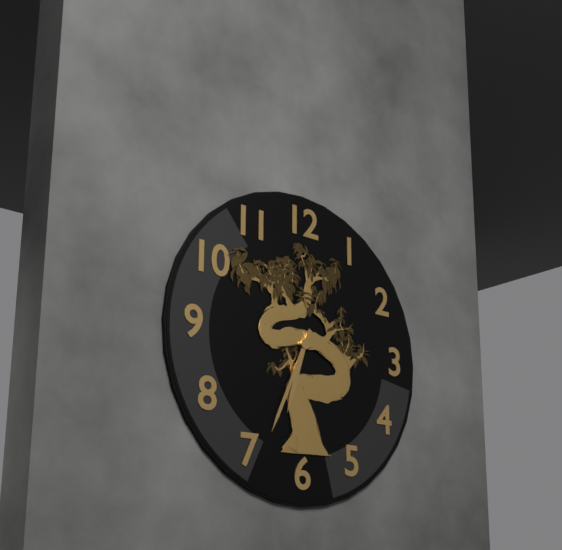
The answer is 6:34
